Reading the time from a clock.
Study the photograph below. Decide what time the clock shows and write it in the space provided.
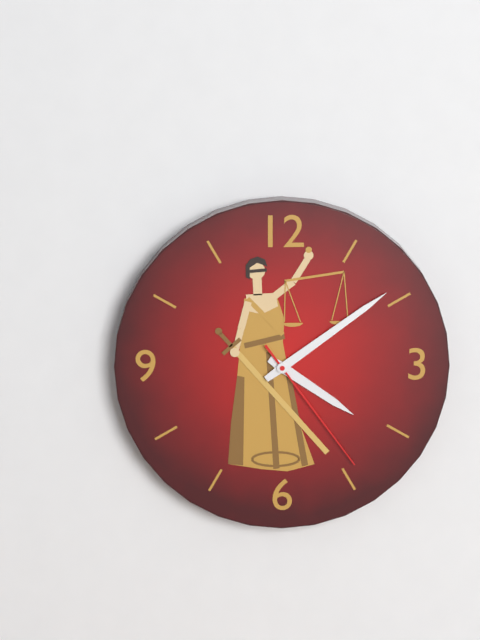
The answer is 4:09:24
